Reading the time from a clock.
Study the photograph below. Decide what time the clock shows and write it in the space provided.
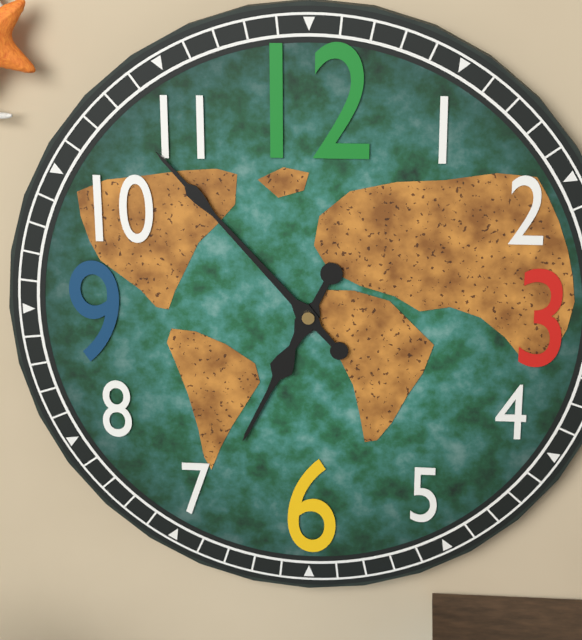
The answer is 6:53
